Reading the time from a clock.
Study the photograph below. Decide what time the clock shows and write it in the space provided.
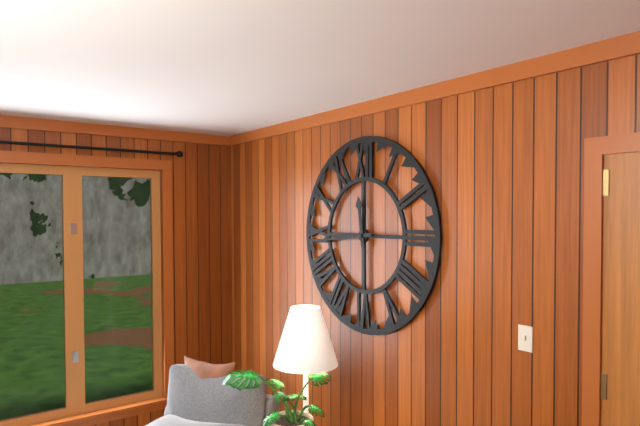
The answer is 11:44
